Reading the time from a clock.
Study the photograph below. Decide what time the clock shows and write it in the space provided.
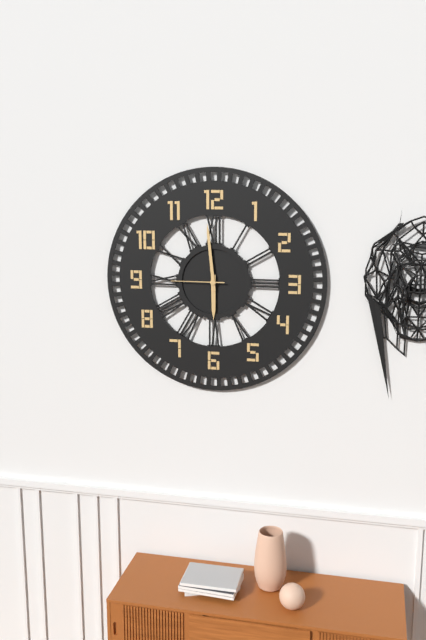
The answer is 5:59:45
